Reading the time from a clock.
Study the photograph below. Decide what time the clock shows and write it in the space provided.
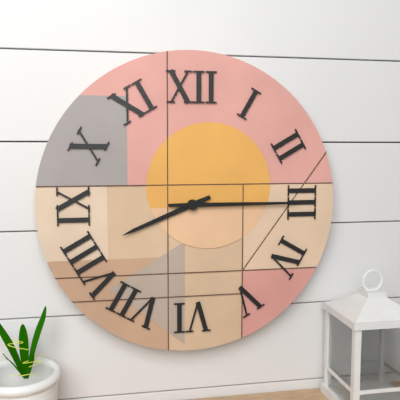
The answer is 8:15
